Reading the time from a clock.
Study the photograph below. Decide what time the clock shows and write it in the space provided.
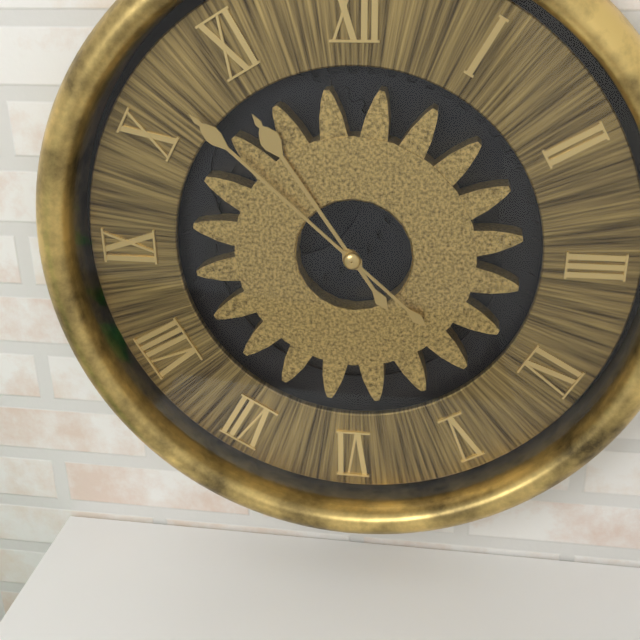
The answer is 10:52
